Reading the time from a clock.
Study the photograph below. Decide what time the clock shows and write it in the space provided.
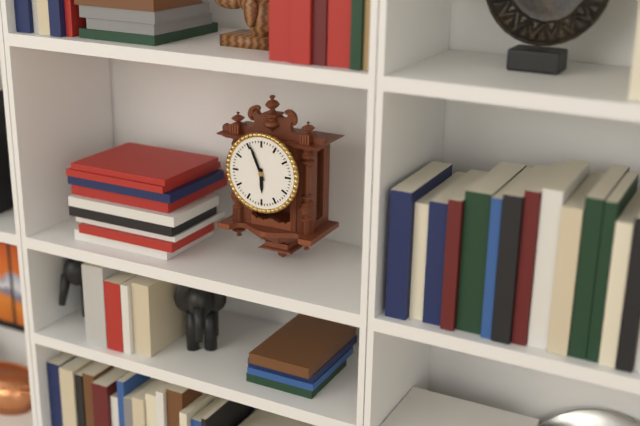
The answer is 5:56
